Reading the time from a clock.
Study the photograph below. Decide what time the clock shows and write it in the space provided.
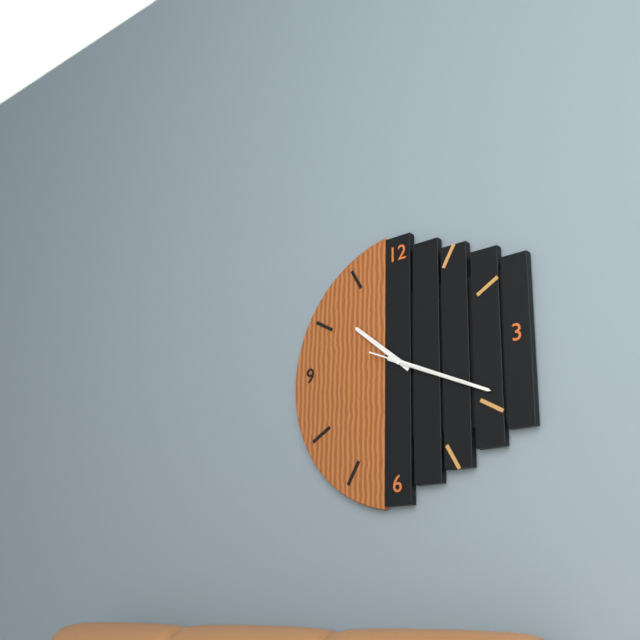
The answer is 10:19:19
